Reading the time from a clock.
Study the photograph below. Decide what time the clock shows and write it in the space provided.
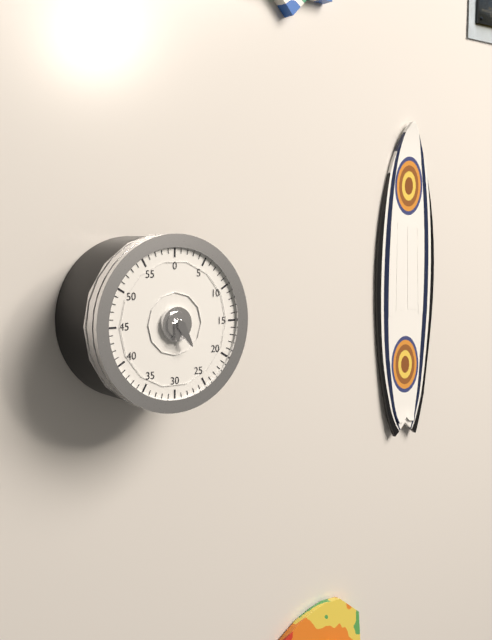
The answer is 6:25
